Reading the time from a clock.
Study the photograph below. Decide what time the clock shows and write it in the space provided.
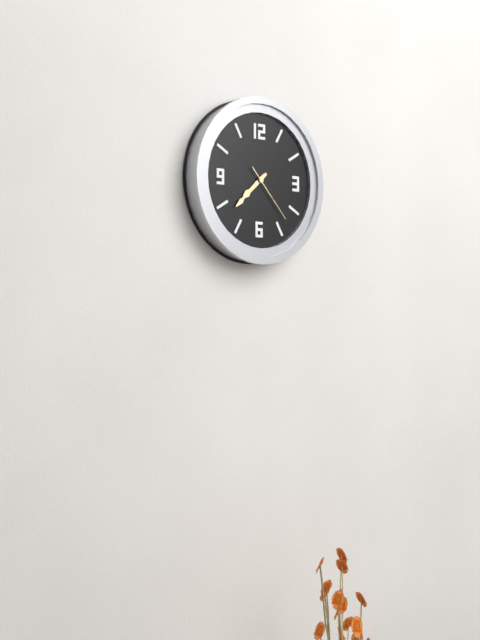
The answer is 7:38:23
